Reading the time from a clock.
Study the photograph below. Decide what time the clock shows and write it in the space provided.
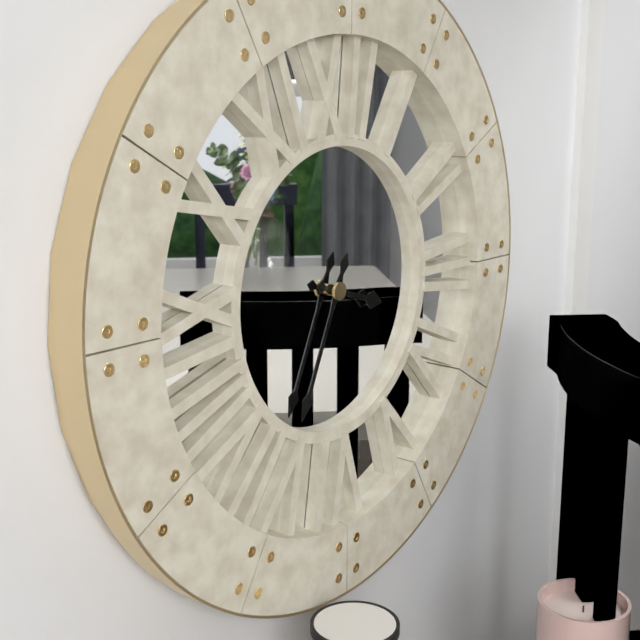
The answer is 3:34
